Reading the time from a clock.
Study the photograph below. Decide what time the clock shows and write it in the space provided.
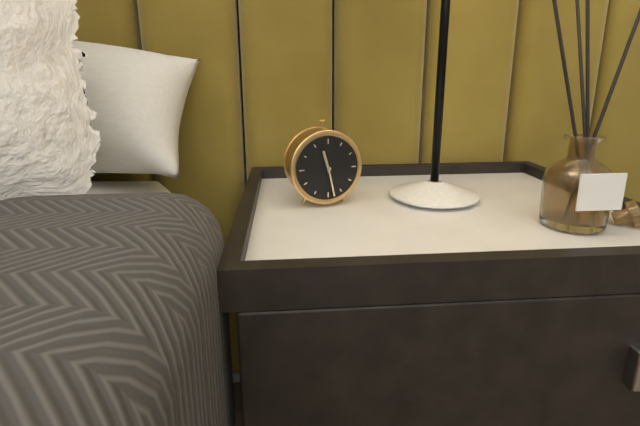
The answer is 11:28
